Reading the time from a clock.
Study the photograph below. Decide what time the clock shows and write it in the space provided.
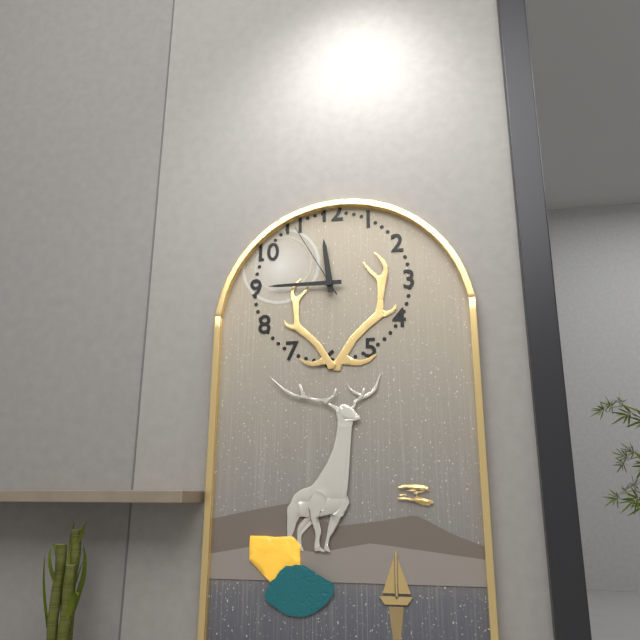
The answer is 11:45:55
